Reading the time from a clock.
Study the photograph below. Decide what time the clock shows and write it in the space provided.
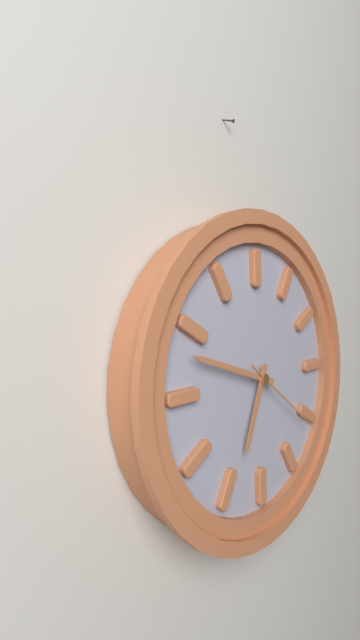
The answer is 6:48:21
